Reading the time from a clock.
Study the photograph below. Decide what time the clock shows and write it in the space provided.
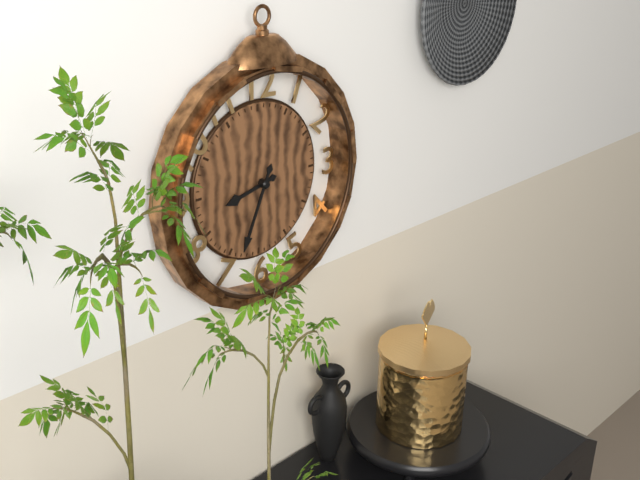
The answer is 8:34
